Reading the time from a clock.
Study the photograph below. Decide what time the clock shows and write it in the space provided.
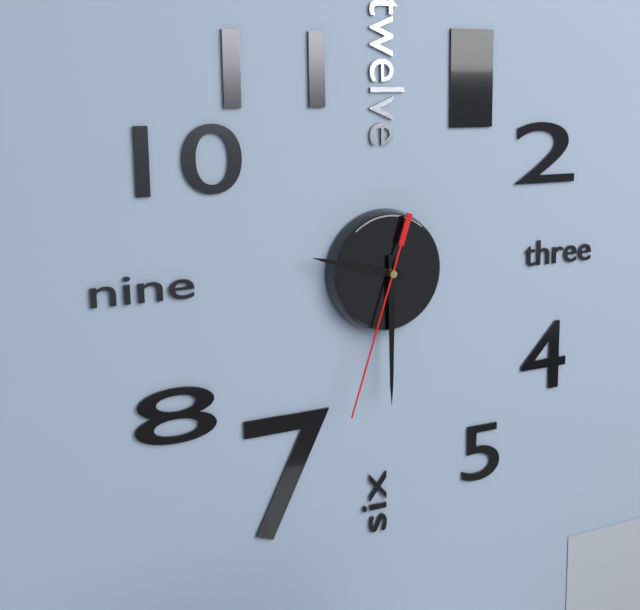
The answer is 9:30:33
